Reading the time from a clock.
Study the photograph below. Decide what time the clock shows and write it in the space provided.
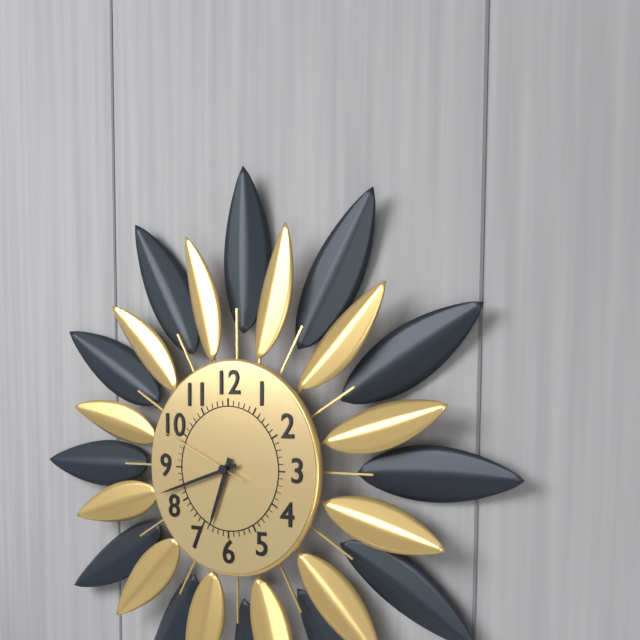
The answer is 6:42:49
